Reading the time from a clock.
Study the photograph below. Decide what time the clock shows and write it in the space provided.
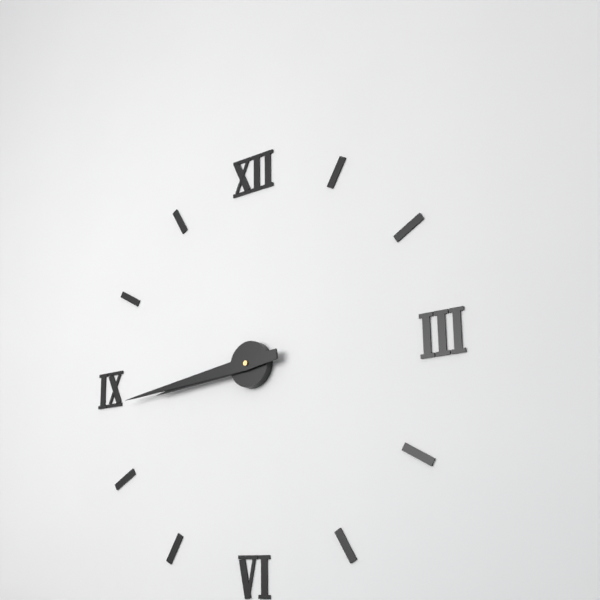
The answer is 8:44
